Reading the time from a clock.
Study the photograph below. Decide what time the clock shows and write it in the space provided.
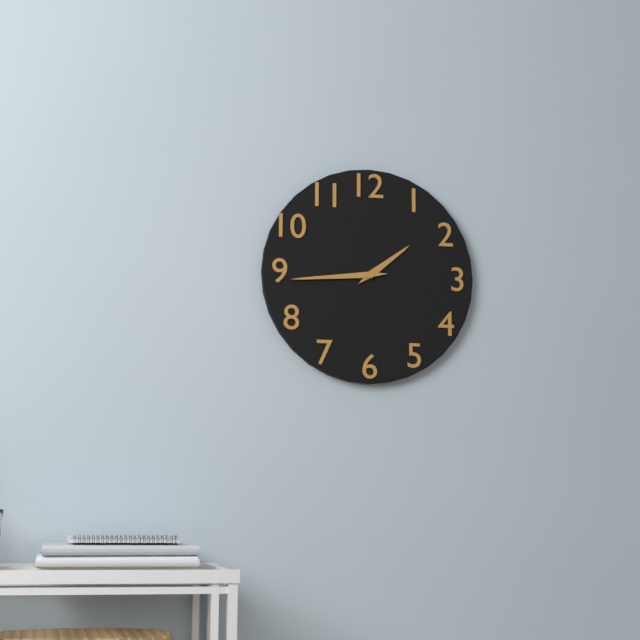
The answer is 1:44
